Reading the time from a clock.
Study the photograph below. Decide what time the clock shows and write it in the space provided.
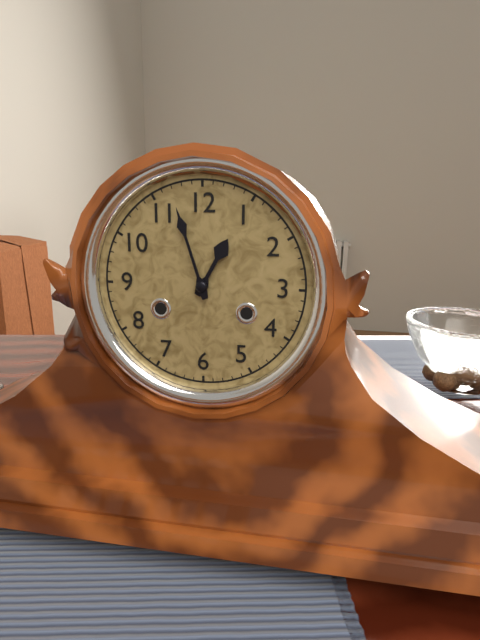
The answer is 12:57
